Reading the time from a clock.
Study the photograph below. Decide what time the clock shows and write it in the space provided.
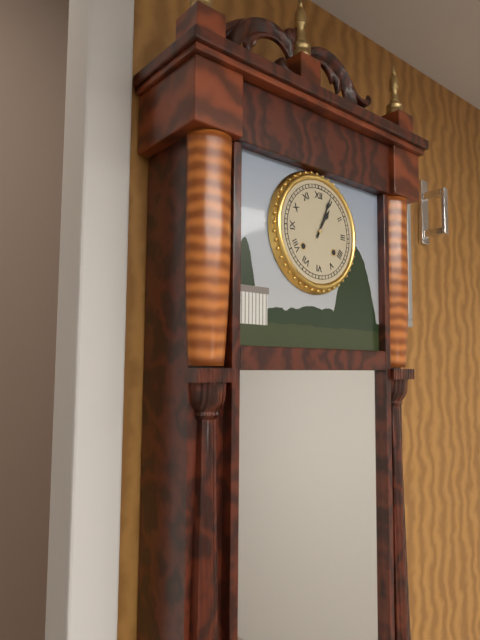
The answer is 1:04
